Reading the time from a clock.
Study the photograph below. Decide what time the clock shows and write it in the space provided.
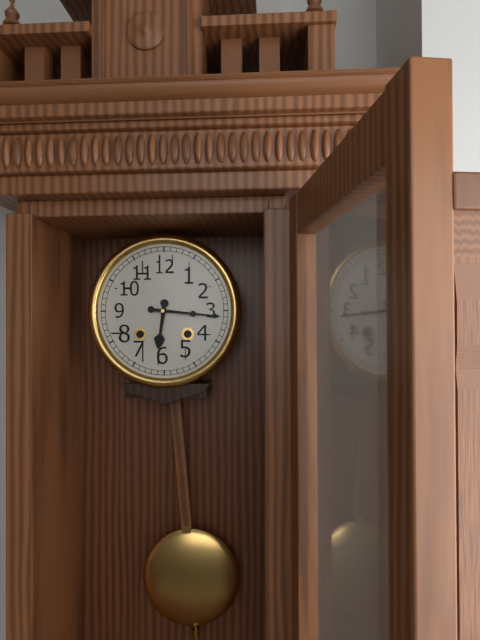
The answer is 6:16
